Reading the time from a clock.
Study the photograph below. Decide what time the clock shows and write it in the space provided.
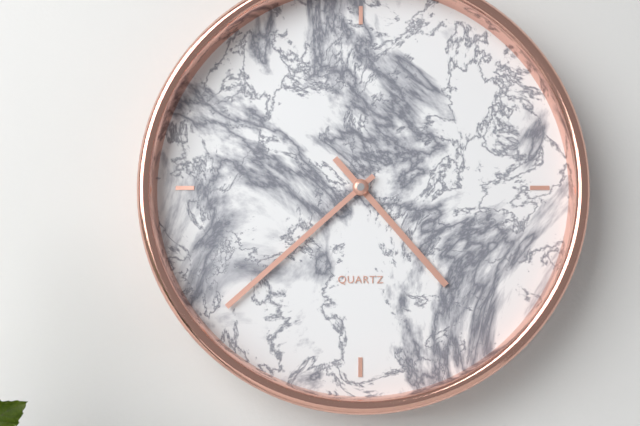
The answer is 4:38
